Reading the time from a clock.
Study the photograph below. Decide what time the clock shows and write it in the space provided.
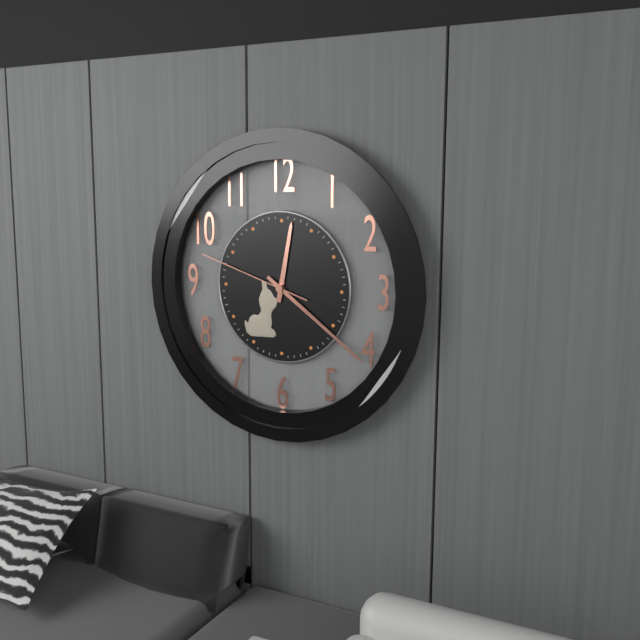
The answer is 12:21:48
